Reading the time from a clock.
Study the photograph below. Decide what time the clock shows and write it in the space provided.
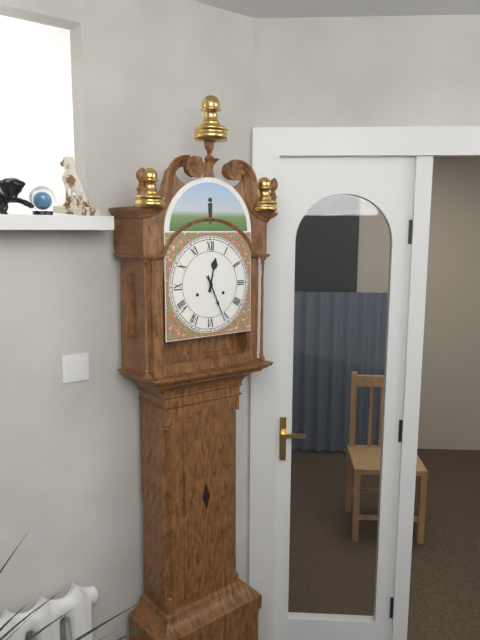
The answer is 12:26
